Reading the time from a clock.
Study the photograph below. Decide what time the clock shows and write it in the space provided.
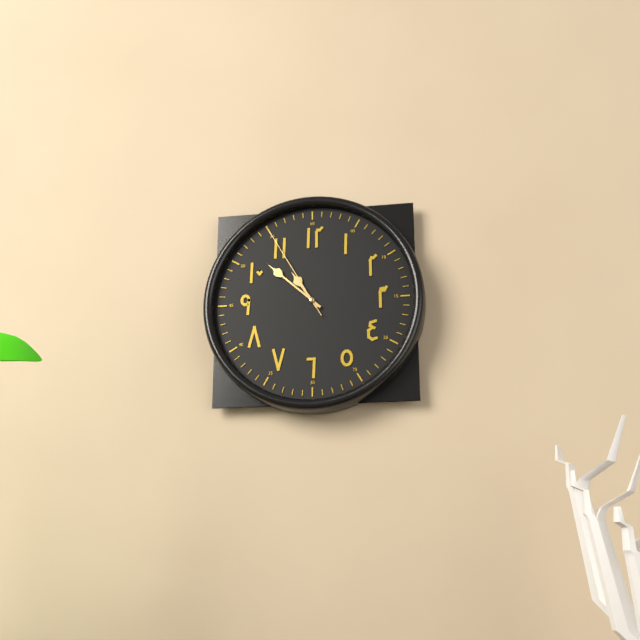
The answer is 10:52:55
